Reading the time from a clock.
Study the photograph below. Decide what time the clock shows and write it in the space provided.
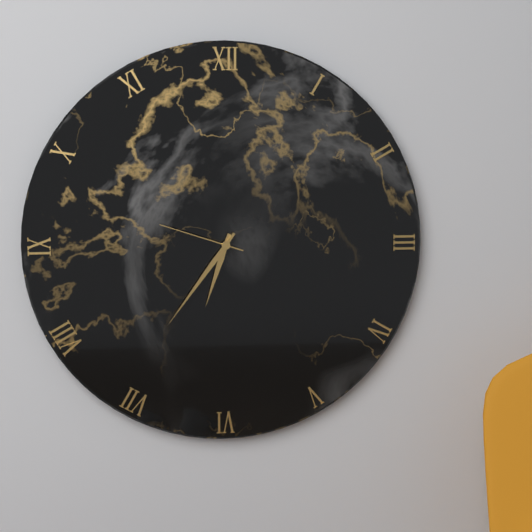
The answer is 6:36:48
